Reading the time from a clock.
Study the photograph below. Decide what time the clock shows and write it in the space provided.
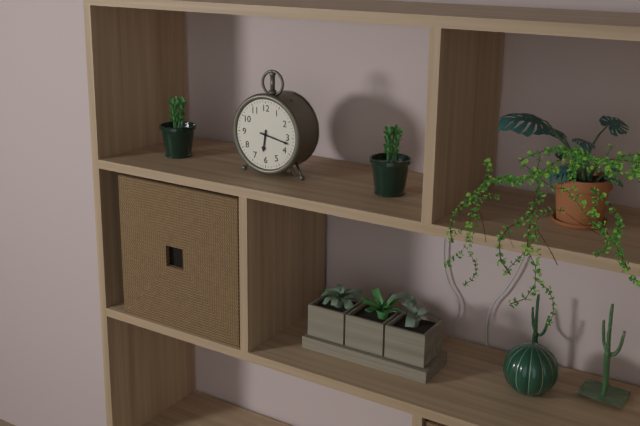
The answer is 6:17
